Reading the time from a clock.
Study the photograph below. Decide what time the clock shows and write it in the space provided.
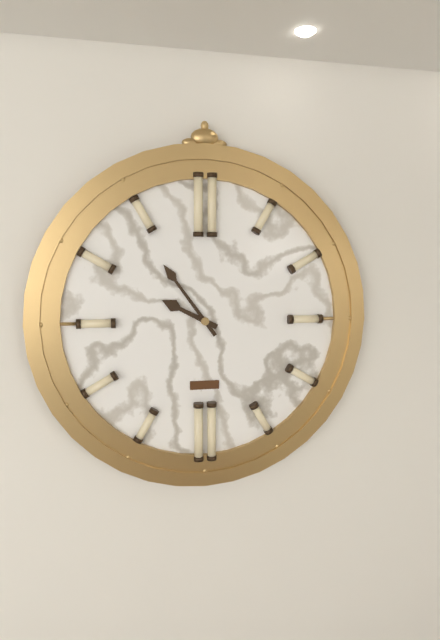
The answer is 9:54
